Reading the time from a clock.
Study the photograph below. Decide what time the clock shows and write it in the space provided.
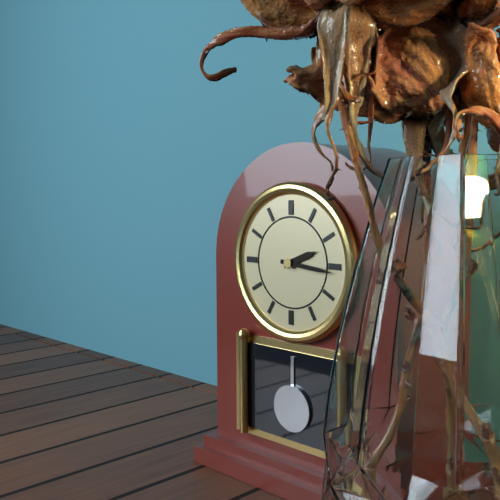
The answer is 2:16
